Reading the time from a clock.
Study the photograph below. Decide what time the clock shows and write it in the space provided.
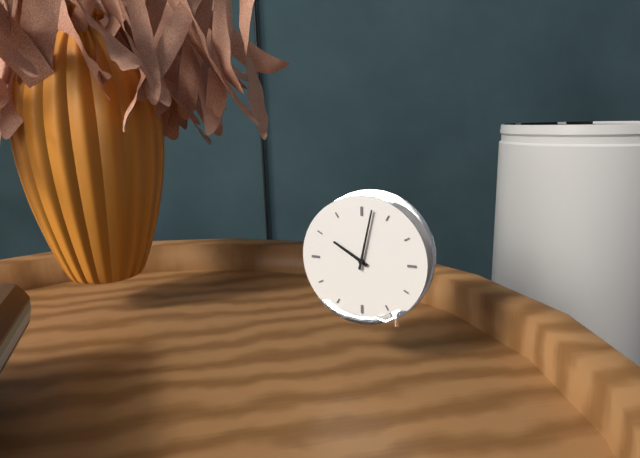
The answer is 10:02
